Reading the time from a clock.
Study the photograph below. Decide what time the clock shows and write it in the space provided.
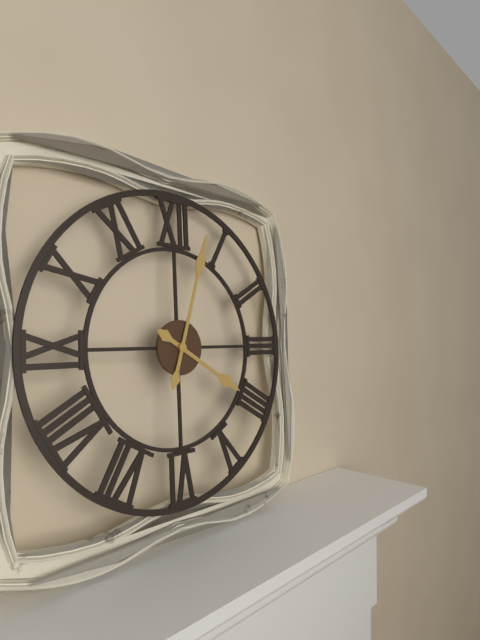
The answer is 4:03
